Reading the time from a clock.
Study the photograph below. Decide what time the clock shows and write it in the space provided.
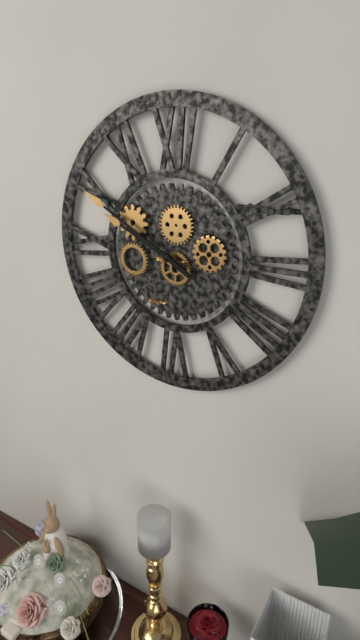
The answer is 9:50
